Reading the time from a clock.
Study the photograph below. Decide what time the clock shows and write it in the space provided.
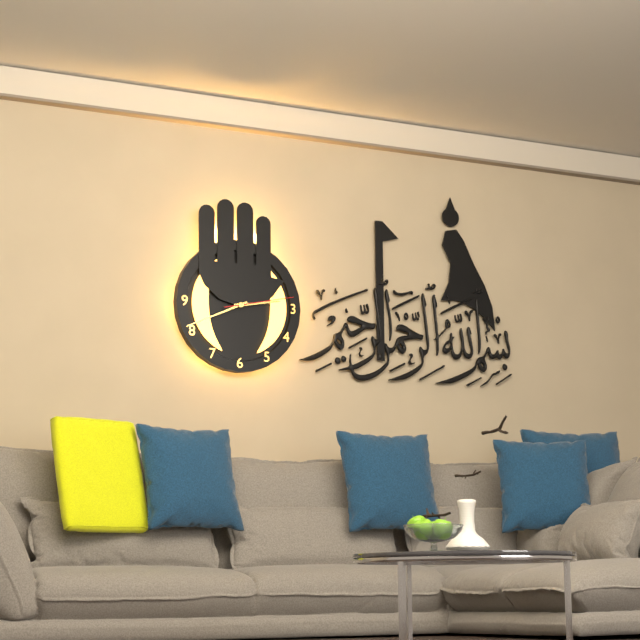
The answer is 2:41:13
